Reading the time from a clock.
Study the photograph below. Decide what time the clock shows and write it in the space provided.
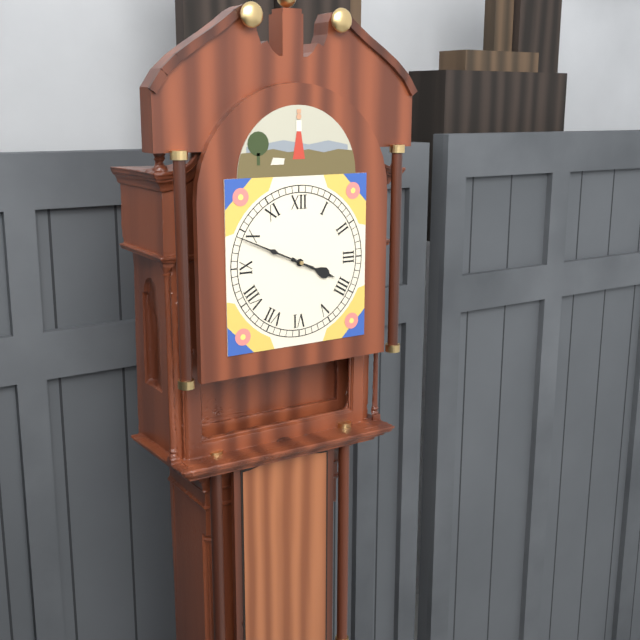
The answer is 3:49
